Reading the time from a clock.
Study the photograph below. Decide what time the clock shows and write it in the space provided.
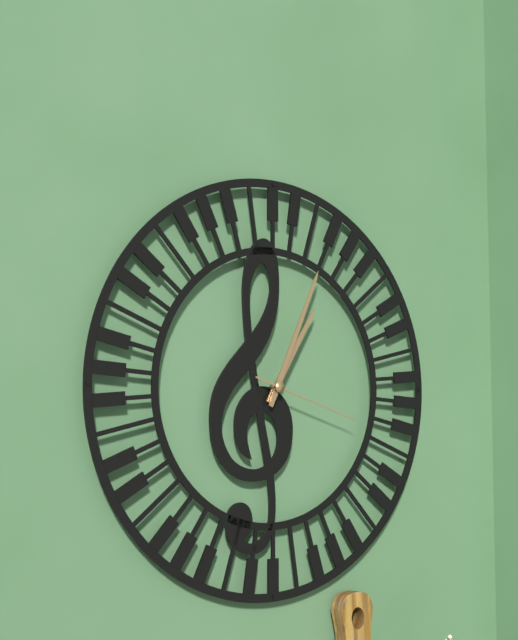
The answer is 1:04:18
